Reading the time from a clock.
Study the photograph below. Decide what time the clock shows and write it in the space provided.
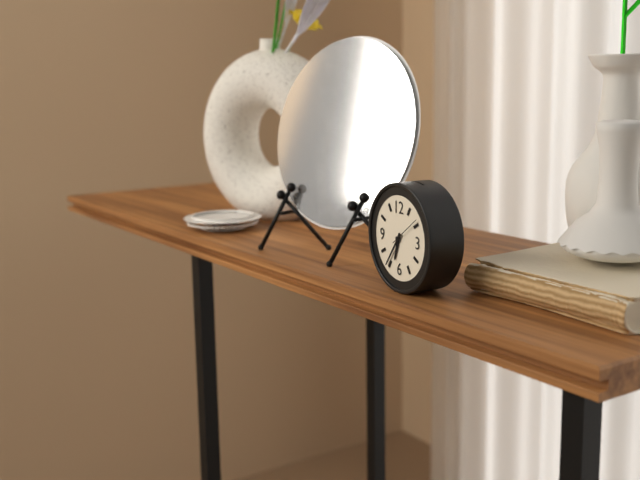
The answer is 6:36
